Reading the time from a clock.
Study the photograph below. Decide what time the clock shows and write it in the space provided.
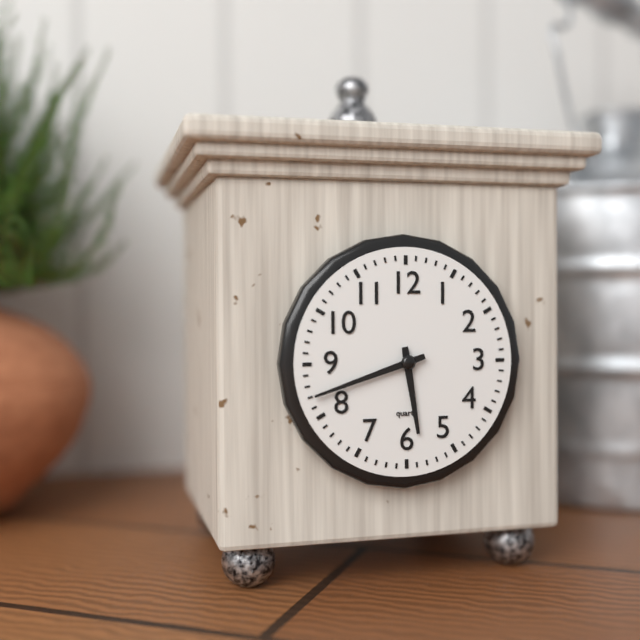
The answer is 5:42
